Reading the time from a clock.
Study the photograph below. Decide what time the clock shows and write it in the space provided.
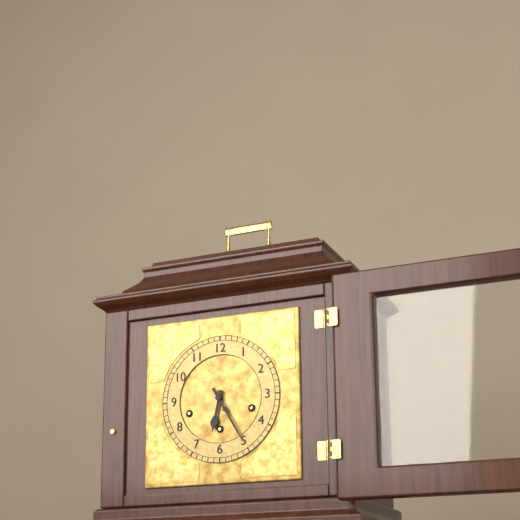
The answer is 6:25
